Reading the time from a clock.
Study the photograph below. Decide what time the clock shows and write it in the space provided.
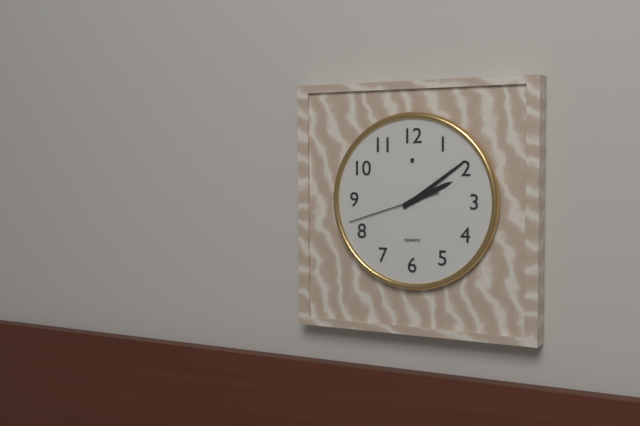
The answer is 2:09:42
